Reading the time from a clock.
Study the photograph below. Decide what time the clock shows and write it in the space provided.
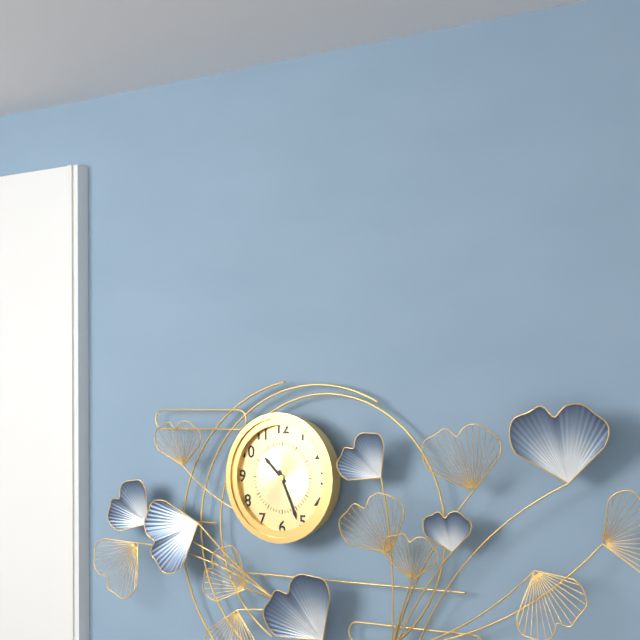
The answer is 10:26
